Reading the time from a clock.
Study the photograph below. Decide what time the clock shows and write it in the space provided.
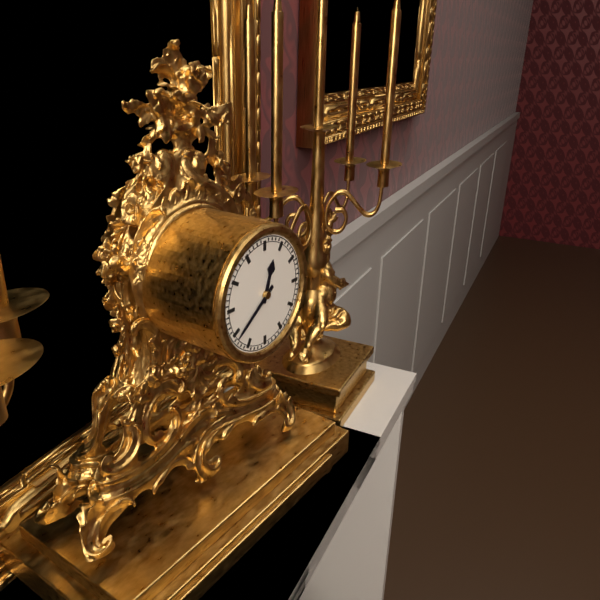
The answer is 12:39
